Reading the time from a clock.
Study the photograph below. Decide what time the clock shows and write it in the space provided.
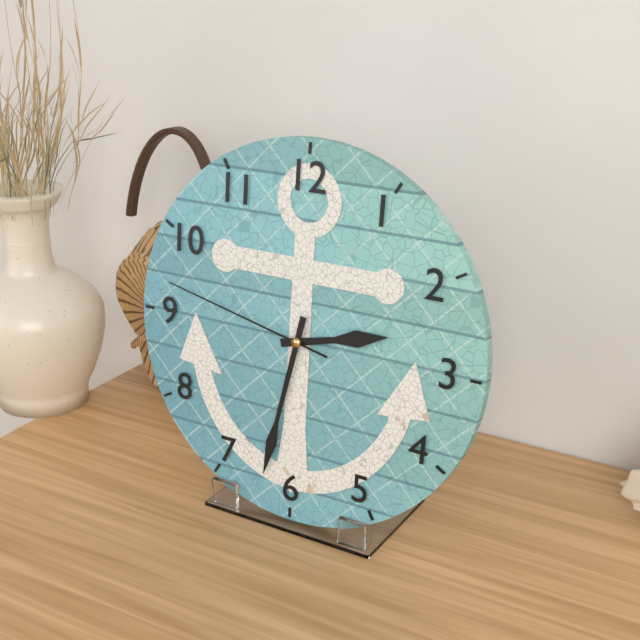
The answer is 2:32:47
